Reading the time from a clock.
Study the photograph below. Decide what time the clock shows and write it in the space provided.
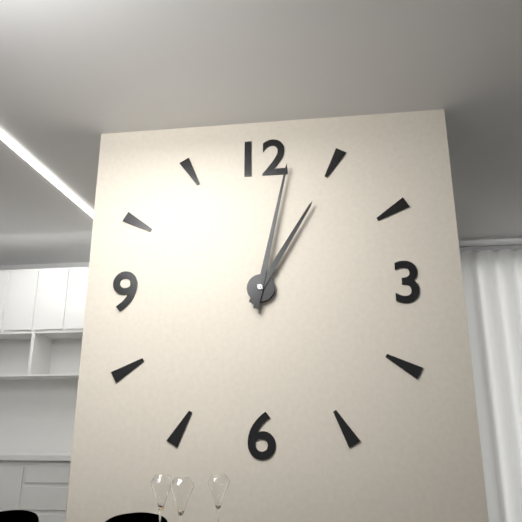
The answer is 1:02
